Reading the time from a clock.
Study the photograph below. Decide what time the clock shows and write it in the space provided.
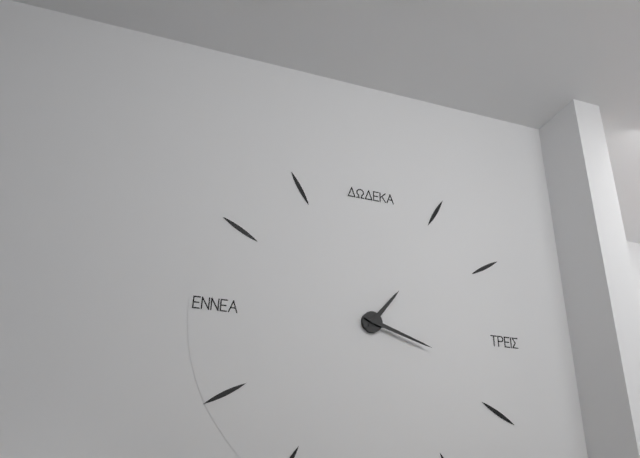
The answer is 1:18
